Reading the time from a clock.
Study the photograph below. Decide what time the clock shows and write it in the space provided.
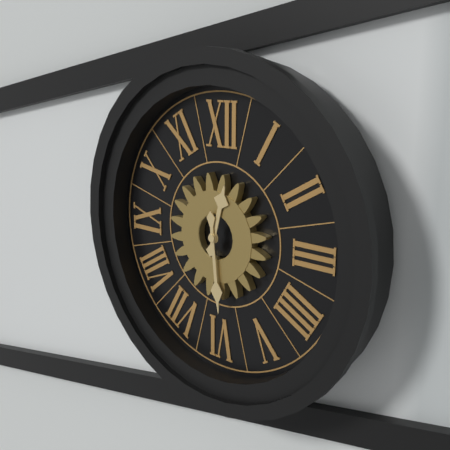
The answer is 12:29
